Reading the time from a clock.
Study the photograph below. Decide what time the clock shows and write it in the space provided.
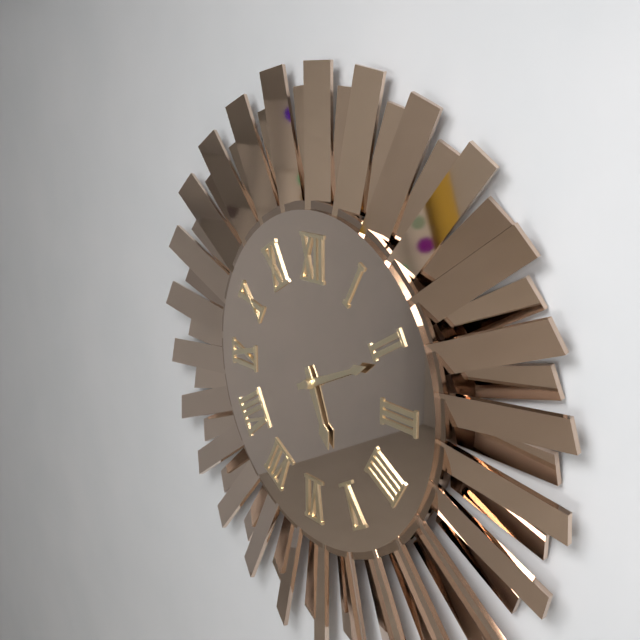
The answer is 5:11
